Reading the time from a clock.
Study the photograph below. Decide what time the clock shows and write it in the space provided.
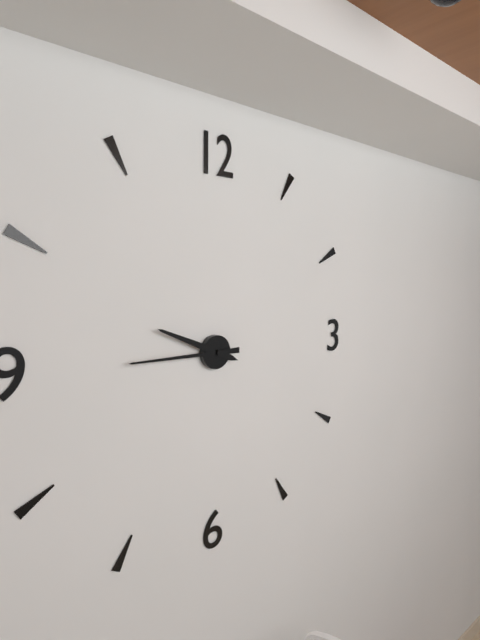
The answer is 9:45
